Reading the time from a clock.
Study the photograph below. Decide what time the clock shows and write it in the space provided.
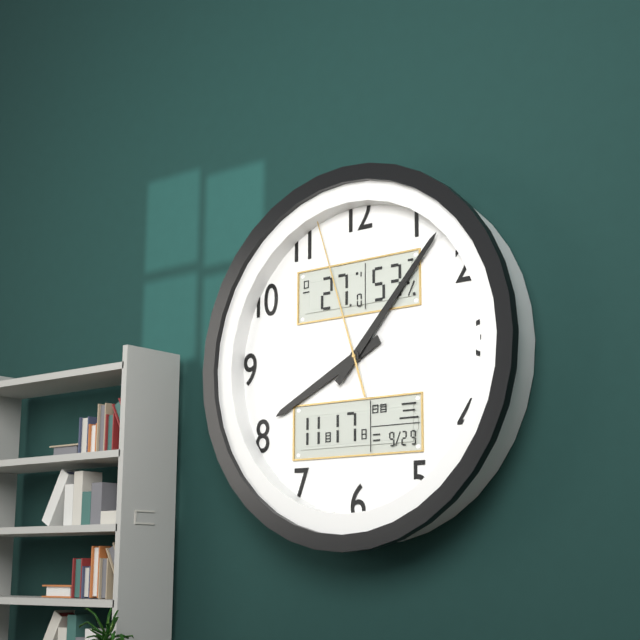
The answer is 8:07:57
